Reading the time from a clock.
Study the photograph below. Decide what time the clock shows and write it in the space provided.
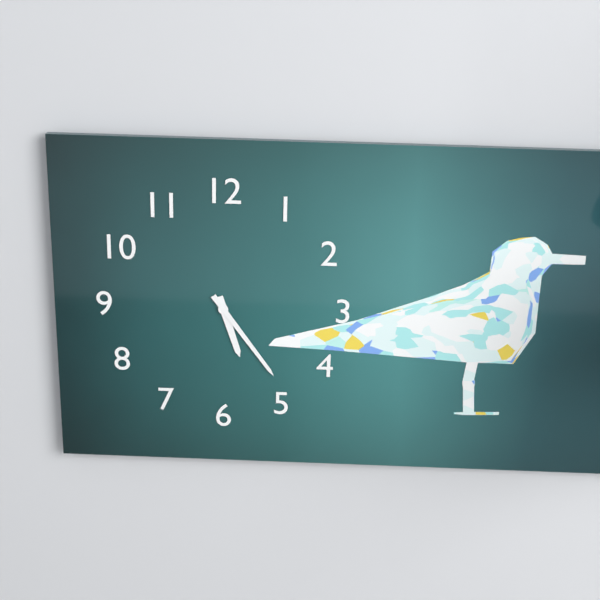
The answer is 5:24
